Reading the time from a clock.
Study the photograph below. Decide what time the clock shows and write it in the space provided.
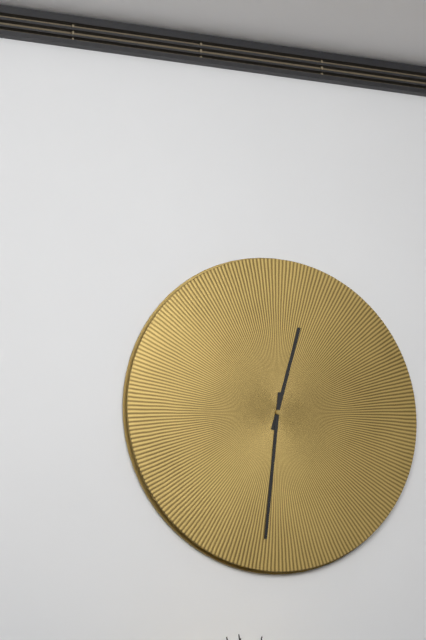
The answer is 12:31
